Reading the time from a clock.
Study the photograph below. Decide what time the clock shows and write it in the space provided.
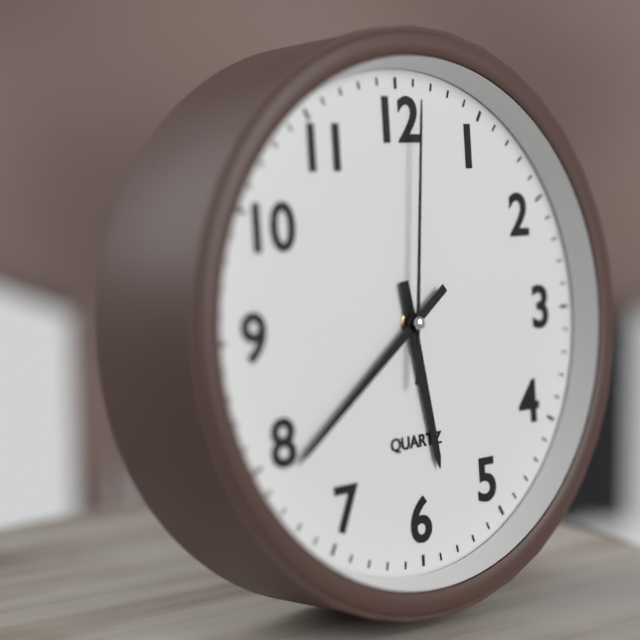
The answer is 5:39:01
